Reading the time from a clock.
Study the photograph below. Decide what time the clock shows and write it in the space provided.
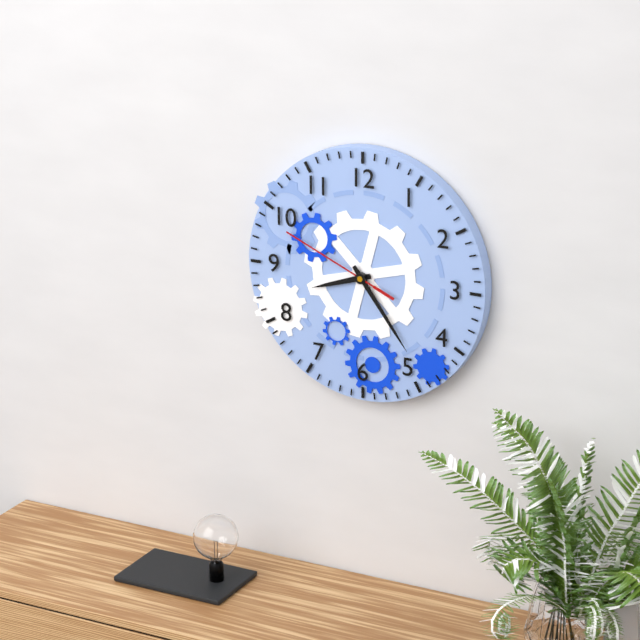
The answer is 8:24:49
